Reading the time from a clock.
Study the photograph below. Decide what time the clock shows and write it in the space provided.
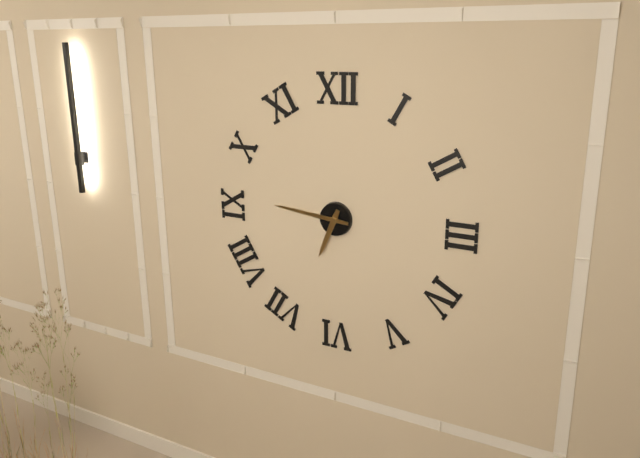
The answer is 6:46
